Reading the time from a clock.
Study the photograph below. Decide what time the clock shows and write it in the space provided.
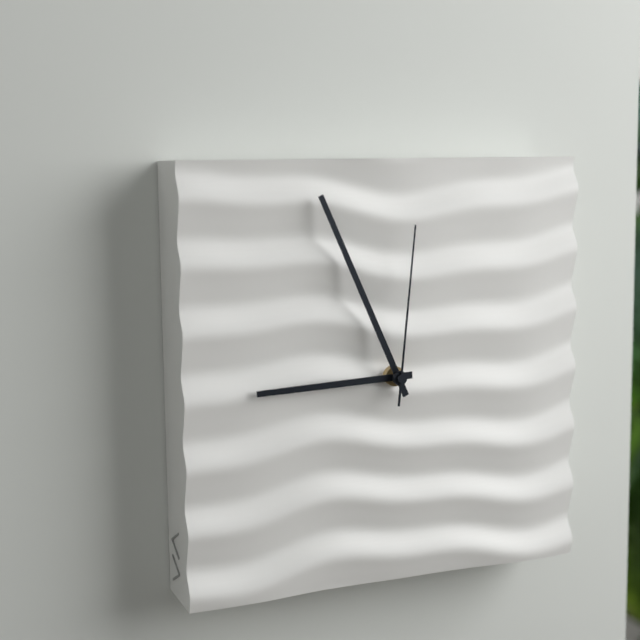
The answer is 8:56:01
